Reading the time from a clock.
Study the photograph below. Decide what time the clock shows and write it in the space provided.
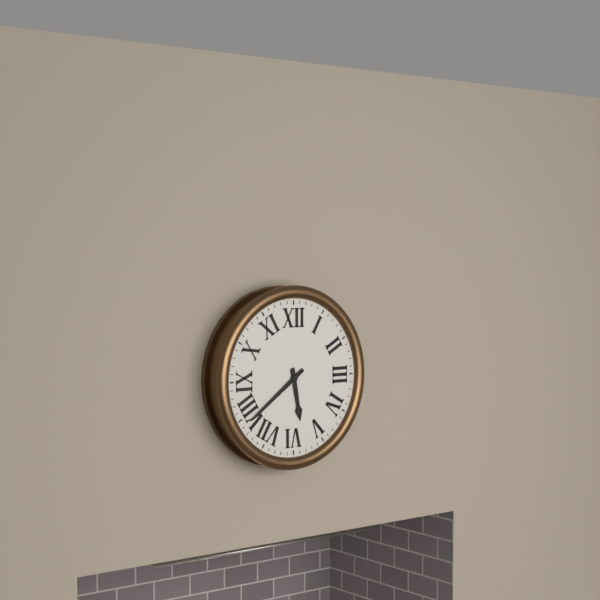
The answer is 5:39
